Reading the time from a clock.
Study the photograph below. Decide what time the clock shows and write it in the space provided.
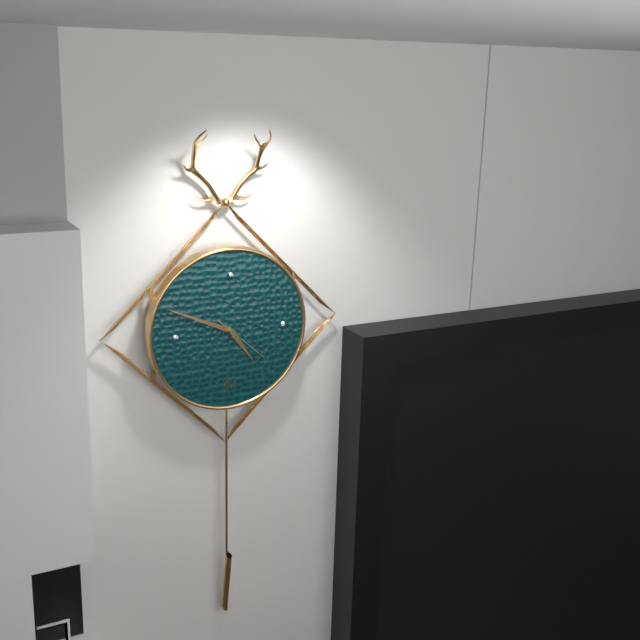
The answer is 4:49:22
